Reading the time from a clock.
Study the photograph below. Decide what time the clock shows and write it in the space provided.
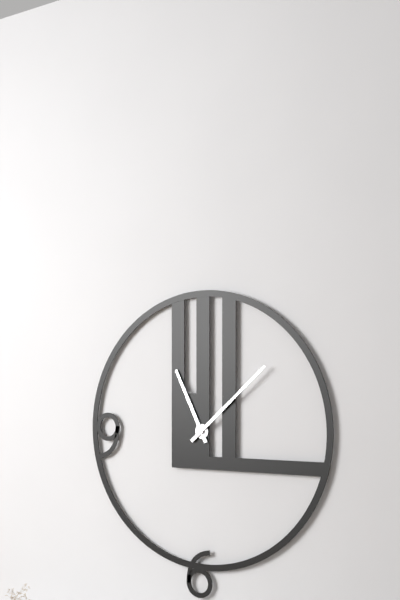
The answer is 11:08
